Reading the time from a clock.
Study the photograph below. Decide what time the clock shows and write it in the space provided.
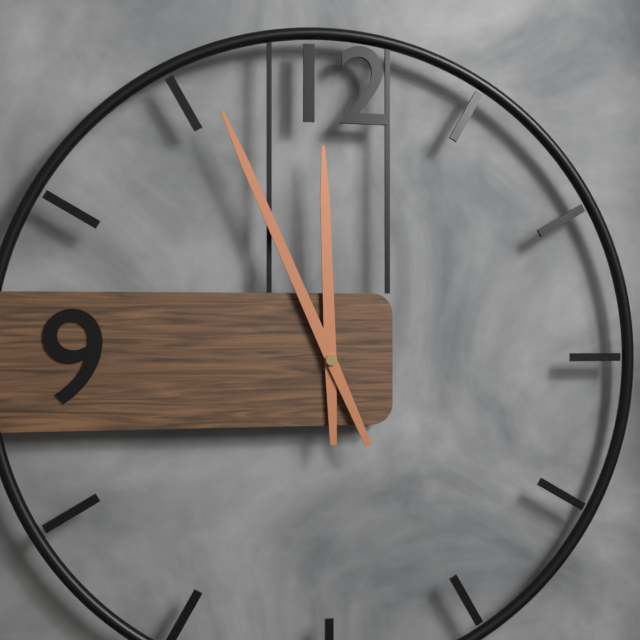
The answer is 11:56
